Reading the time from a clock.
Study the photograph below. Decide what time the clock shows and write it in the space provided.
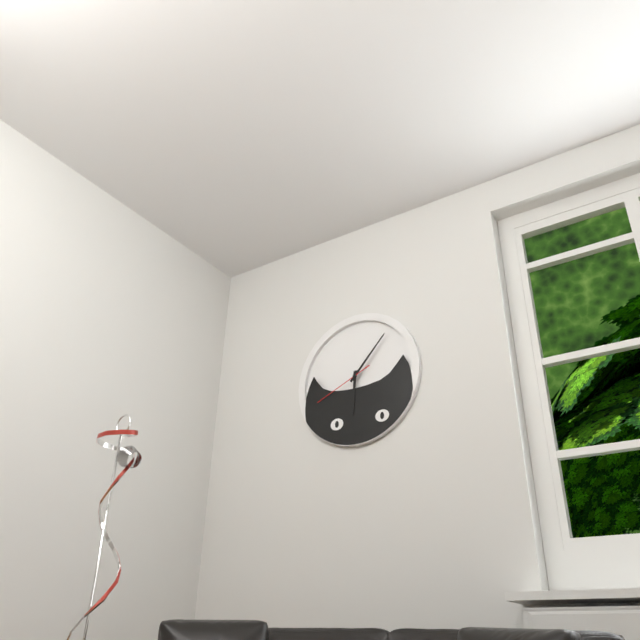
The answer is 6:07:41
